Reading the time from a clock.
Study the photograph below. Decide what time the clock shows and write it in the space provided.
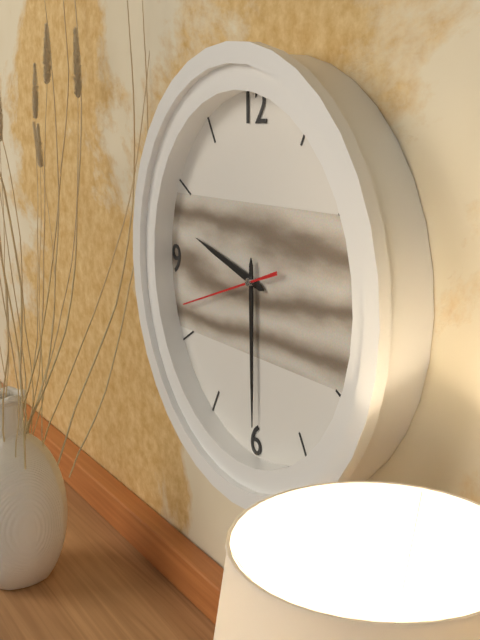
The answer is 9:30:42
